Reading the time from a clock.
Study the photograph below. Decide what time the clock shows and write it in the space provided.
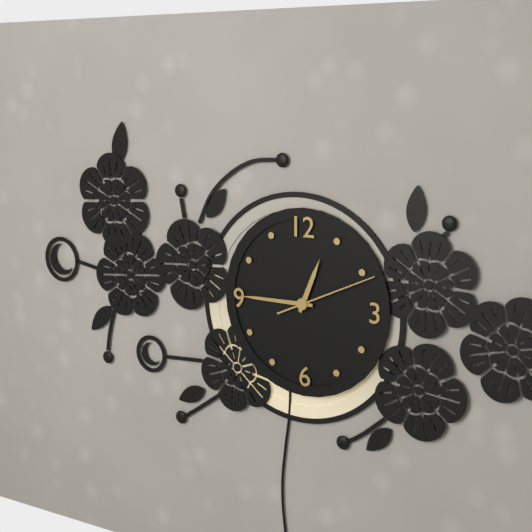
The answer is 12:45:11
